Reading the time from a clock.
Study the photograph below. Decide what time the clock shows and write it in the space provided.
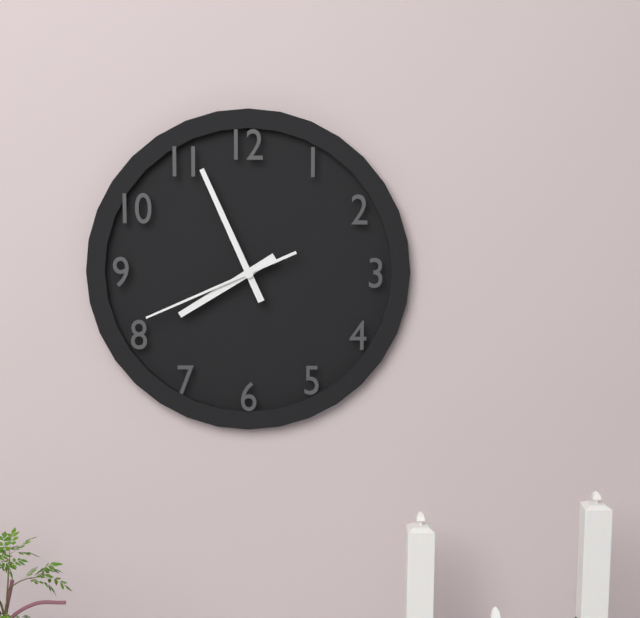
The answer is 7:56:41
